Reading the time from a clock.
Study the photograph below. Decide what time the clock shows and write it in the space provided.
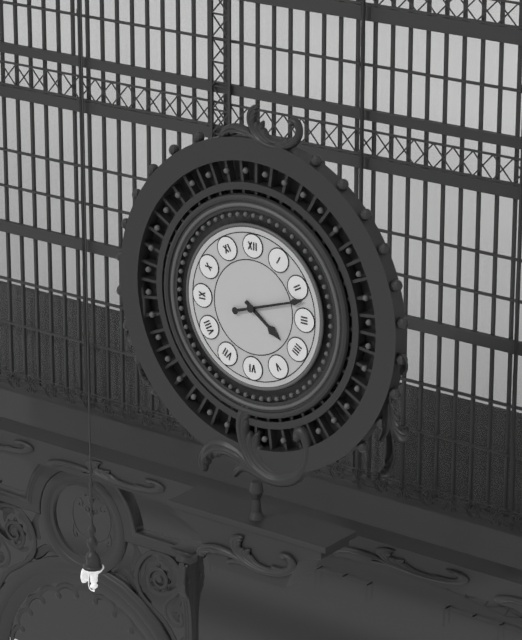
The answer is 4:12
